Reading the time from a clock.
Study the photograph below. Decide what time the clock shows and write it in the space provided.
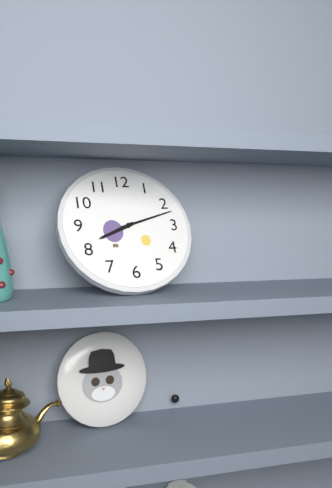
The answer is 8:12
